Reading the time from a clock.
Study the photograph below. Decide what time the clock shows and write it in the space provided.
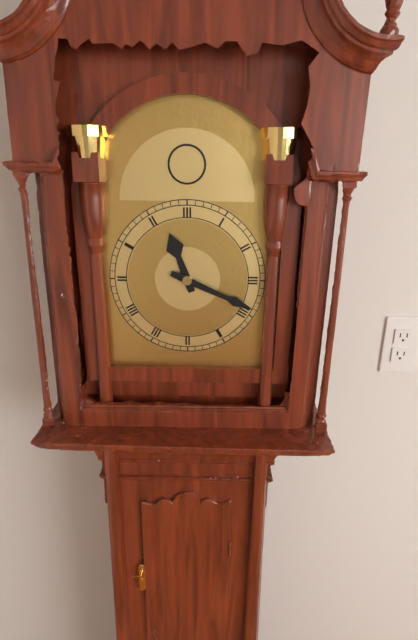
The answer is 11:19
